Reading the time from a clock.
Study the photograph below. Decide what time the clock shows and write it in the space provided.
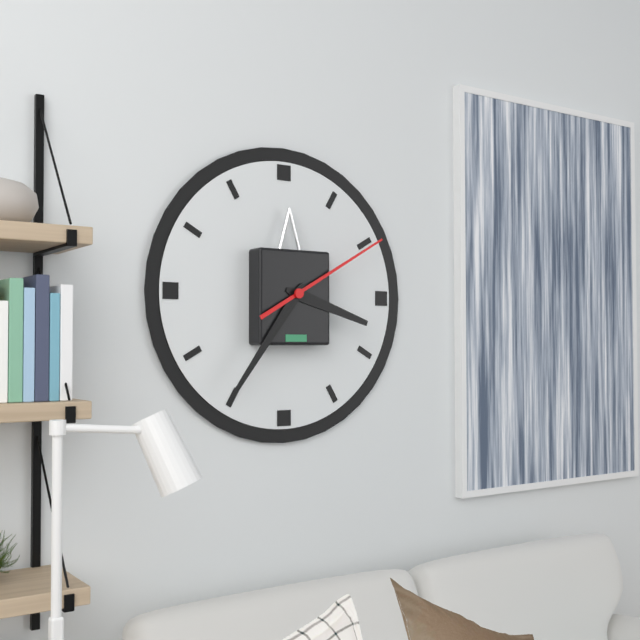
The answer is 3:36:10
